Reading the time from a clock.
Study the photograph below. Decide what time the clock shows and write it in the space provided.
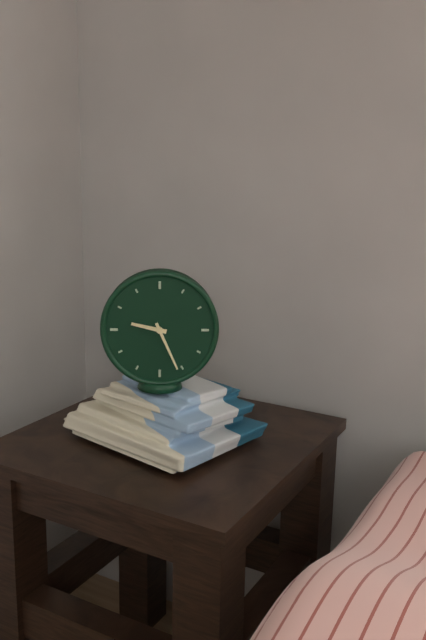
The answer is 9:26
